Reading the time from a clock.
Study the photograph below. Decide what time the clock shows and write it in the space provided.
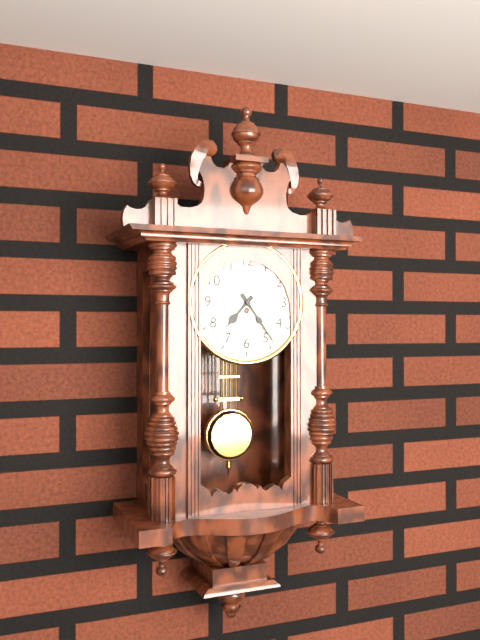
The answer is 7:24
